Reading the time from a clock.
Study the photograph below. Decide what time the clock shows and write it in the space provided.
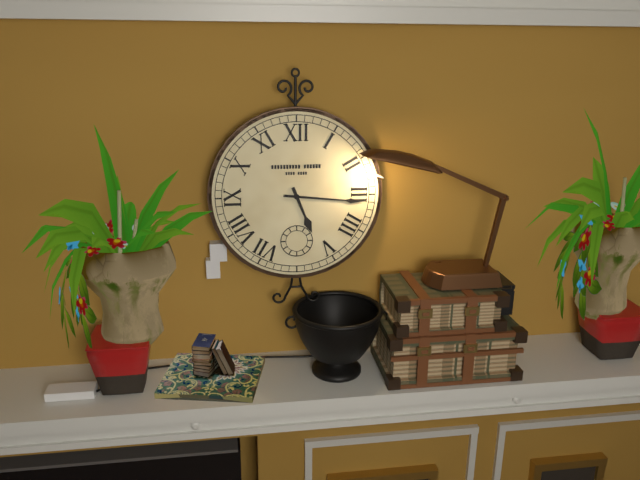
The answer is 5:16
